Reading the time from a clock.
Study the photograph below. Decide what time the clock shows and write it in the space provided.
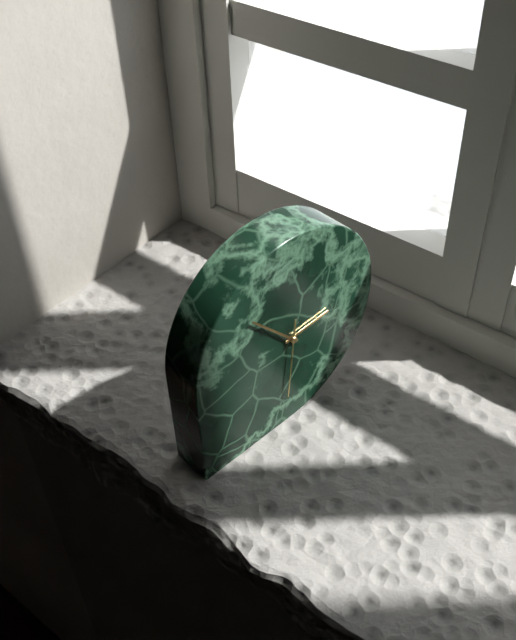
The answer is 2:53:31
